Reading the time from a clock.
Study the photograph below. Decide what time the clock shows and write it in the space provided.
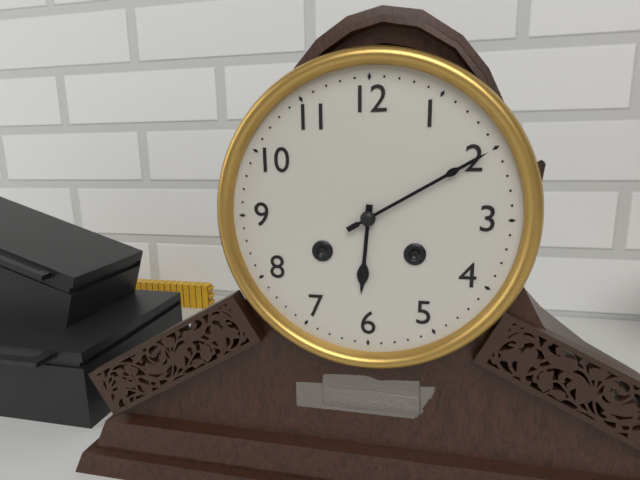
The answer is 6:10
